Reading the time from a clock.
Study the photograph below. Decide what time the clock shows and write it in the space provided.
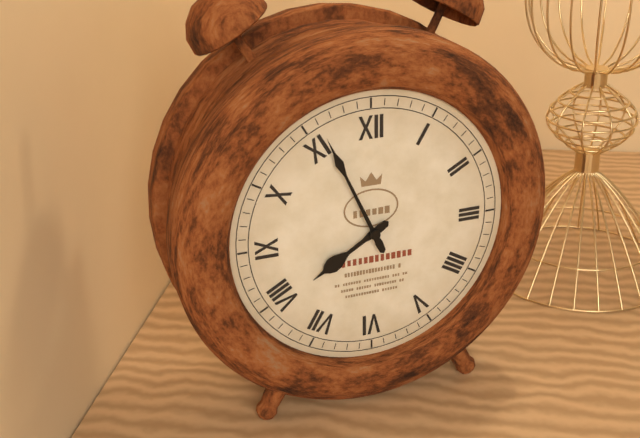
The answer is 7:56
